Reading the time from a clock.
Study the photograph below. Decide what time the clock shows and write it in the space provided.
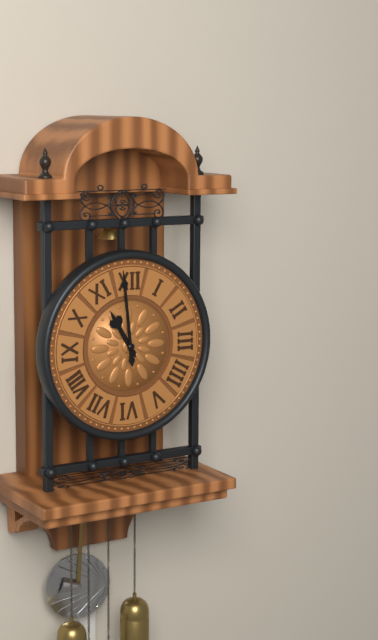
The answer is 10:59
